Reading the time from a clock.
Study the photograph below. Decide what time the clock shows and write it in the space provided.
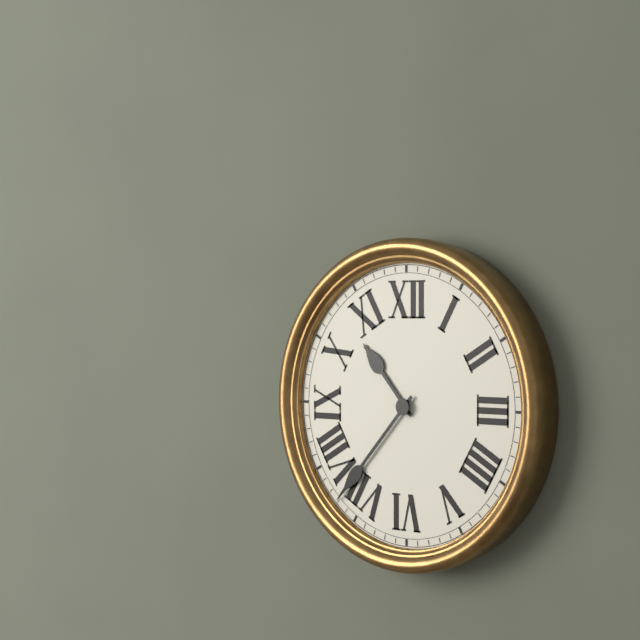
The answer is 10:37
